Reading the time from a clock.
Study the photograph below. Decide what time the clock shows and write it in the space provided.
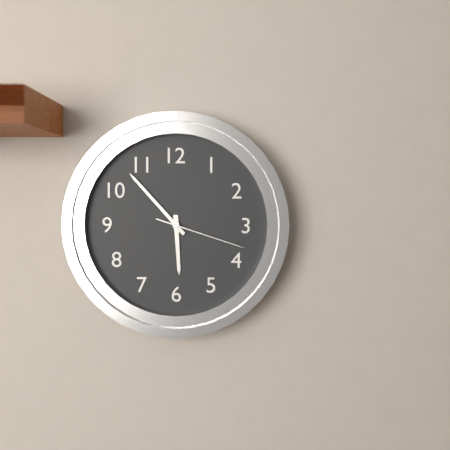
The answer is 5:53:18
